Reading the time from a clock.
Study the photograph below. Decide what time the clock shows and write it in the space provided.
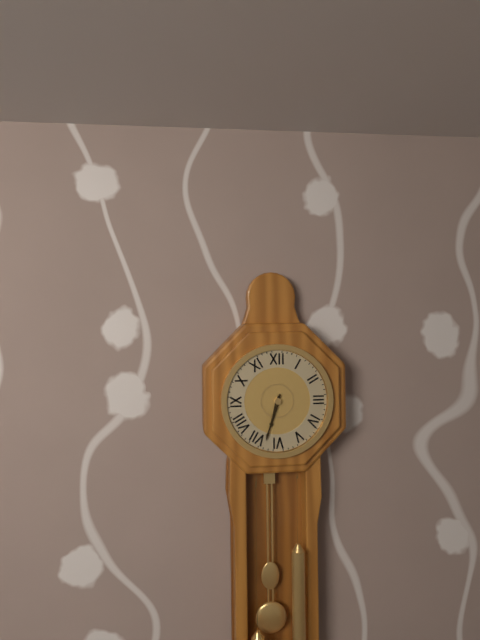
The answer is 6:33
